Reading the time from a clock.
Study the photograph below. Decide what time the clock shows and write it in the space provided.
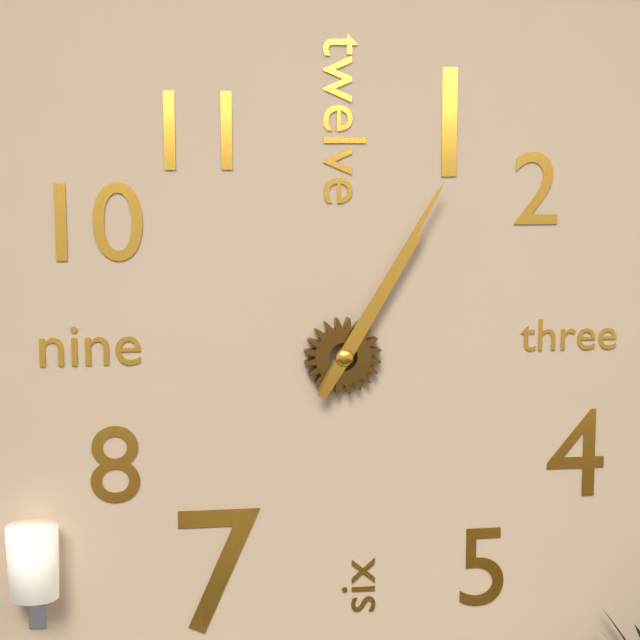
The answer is 1:05
